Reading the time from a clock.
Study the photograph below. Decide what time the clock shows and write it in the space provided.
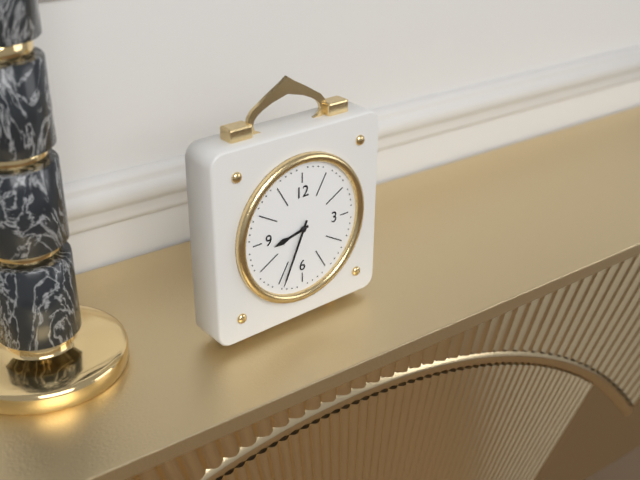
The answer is 8:34
